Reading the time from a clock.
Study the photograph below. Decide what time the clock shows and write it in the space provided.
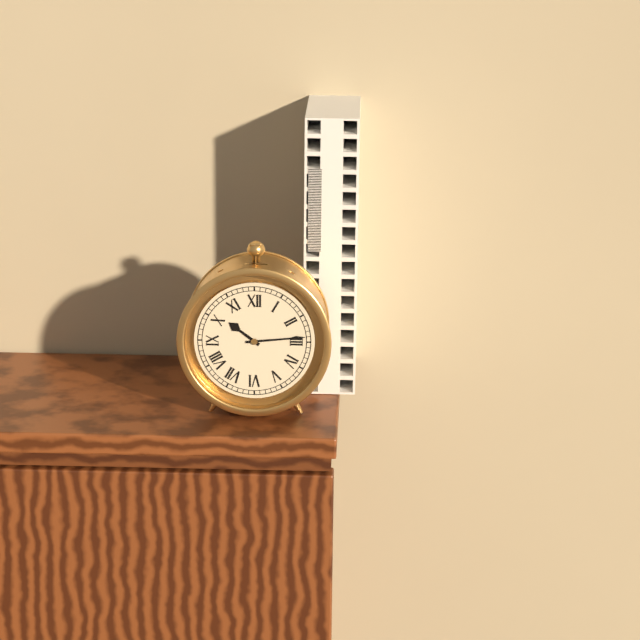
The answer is 10:14
